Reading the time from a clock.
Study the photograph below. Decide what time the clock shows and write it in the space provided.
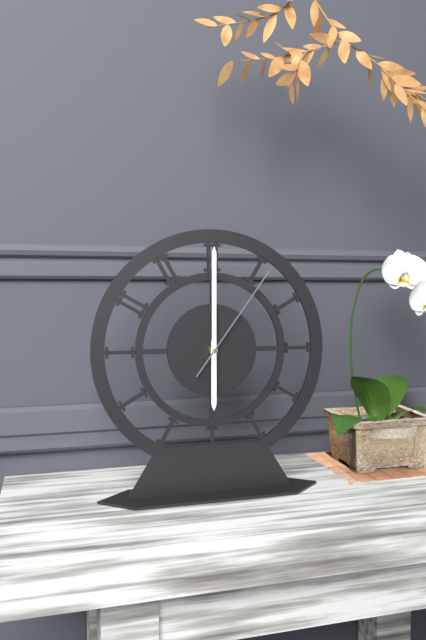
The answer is 6:00:06
